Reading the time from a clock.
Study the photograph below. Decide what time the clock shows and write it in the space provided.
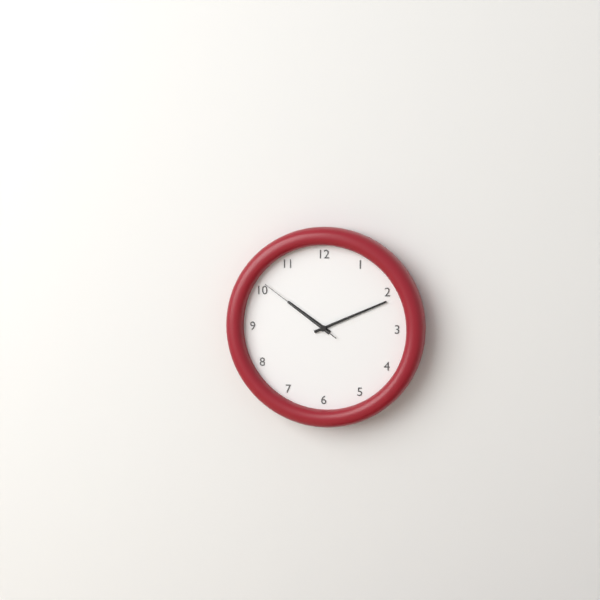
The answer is 10:11:51
